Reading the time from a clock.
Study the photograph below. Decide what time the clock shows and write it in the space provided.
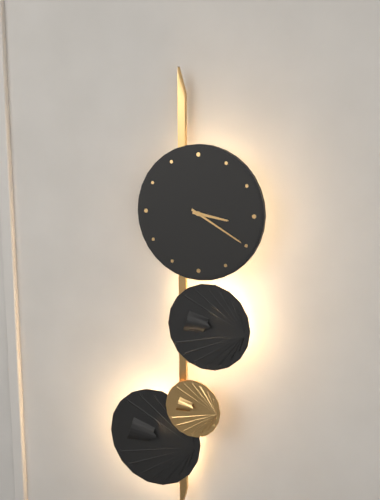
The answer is 3:20
